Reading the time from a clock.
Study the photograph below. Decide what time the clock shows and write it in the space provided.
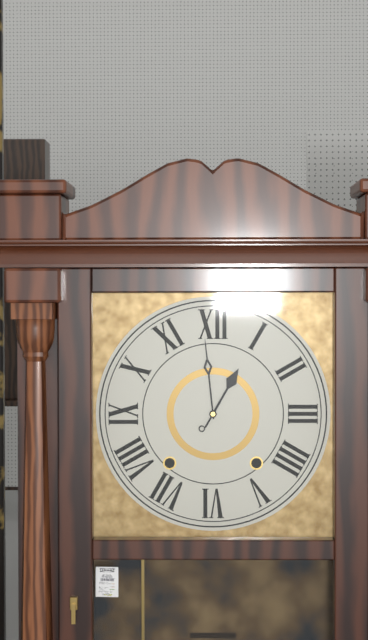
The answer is 12:59
